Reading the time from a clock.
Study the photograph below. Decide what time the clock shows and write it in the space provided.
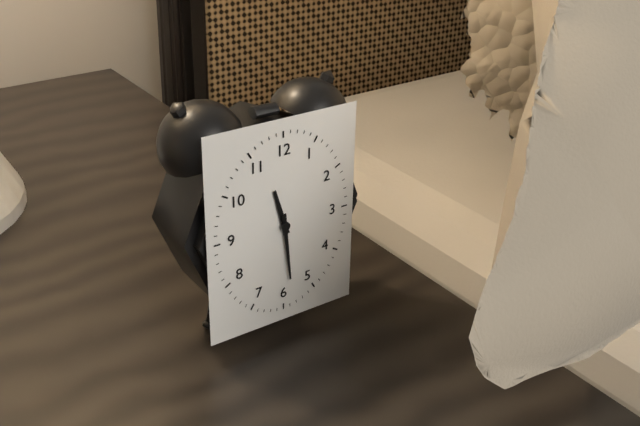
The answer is 11:29
